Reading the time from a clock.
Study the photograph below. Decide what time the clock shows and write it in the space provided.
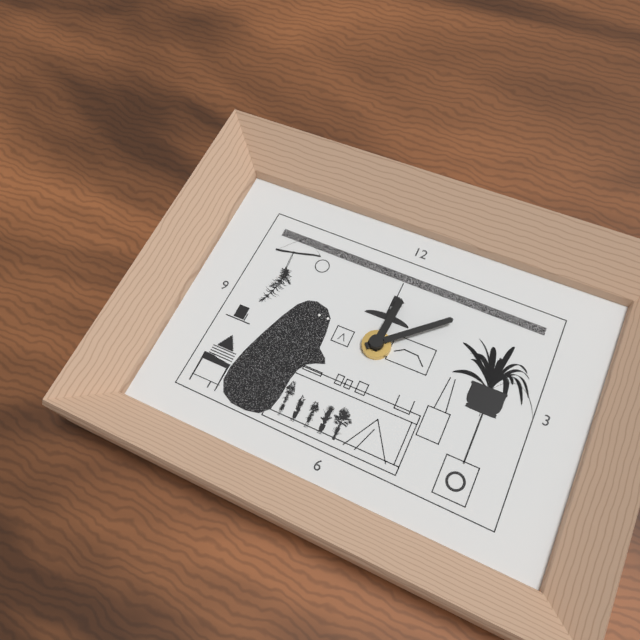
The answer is 12:08
